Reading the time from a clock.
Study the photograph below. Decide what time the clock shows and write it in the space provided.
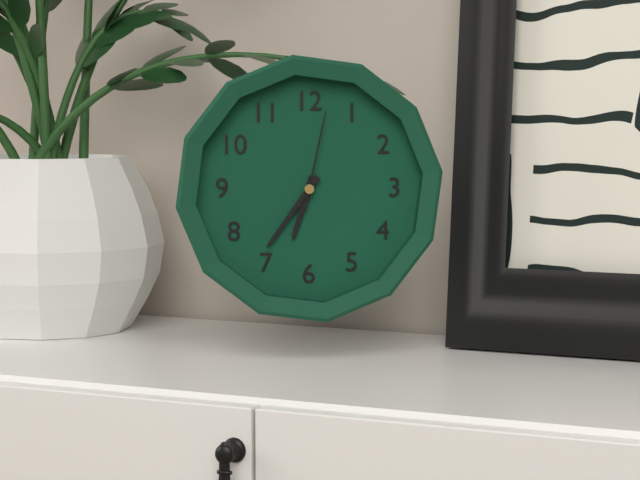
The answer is 6:36:02
